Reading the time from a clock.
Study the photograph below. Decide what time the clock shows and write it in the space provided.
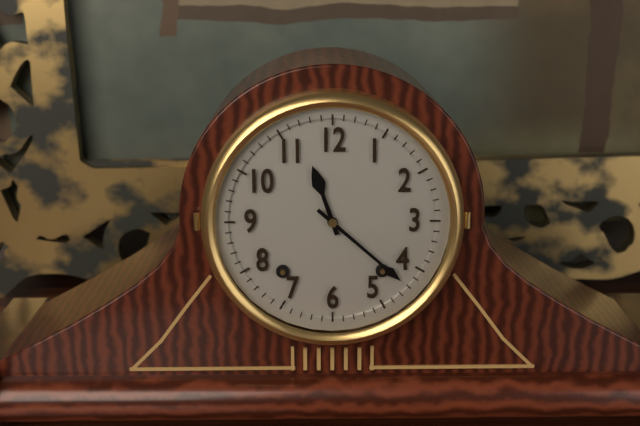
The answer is 11:22
